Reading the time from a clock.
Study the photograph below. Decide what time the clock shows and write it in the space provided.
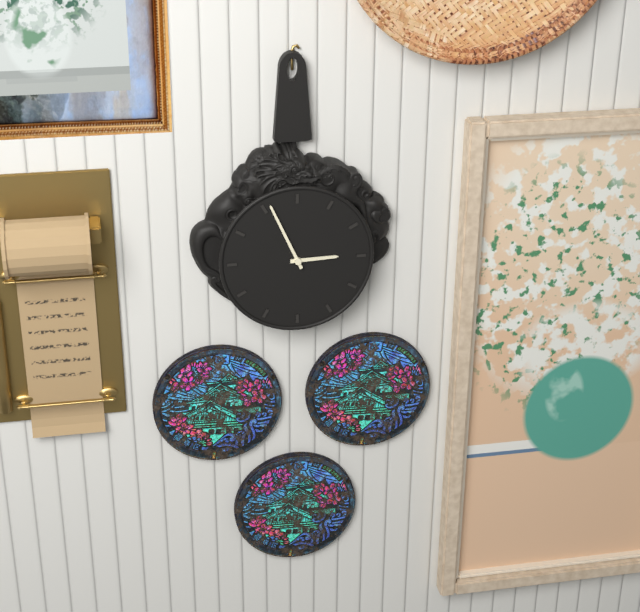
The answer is 2:56
